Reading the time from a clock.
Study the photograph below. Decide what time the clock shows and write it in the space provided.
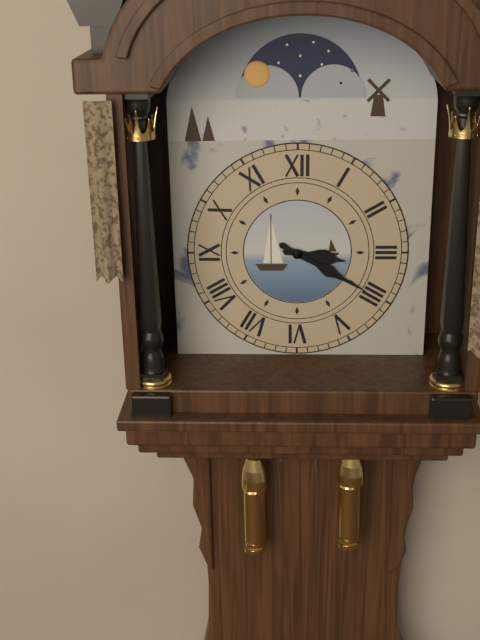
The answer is 3:20
